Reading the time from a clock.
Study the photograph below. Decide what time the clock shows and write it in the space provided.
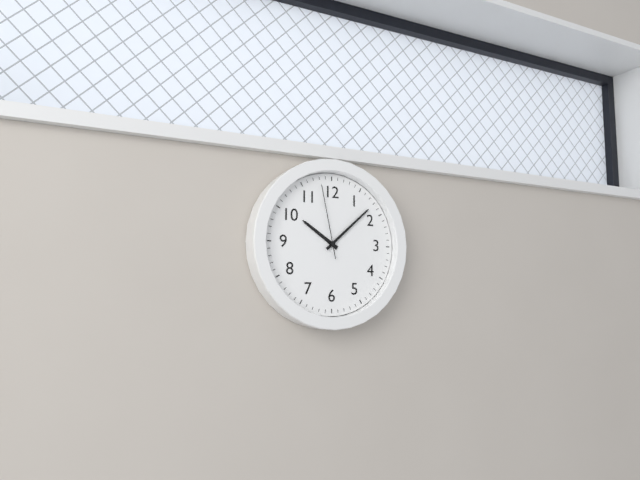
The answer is 10:08:58
